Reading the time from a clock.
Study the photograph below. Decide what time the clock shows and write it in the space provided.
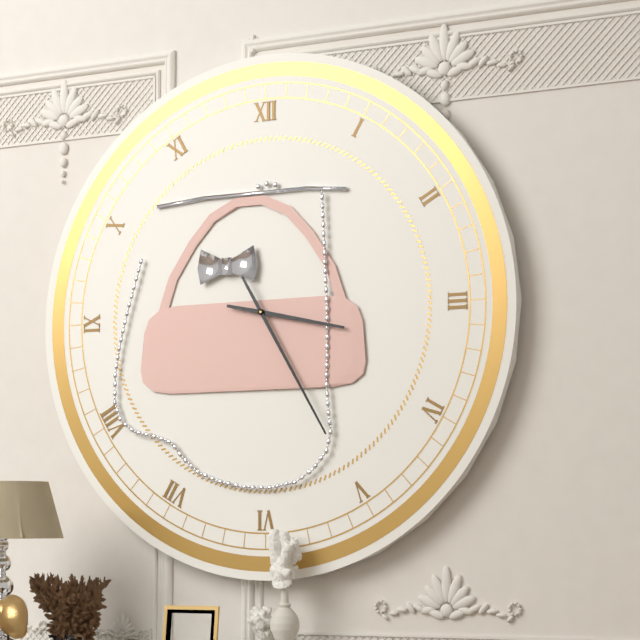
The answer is 3:25
